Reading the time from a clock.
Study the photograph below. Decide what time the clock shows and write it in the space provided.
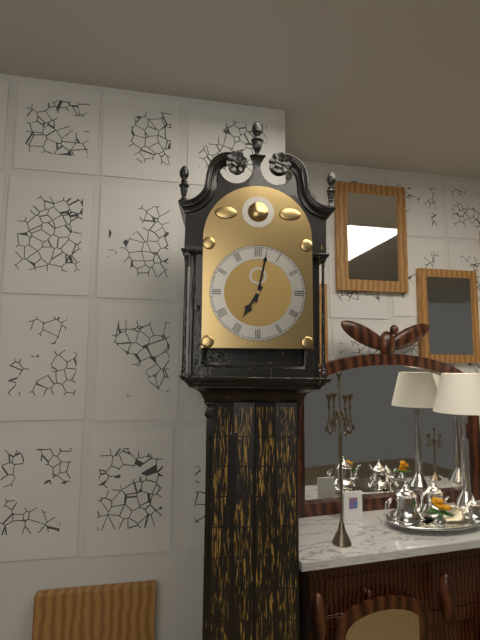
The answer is 7:02
